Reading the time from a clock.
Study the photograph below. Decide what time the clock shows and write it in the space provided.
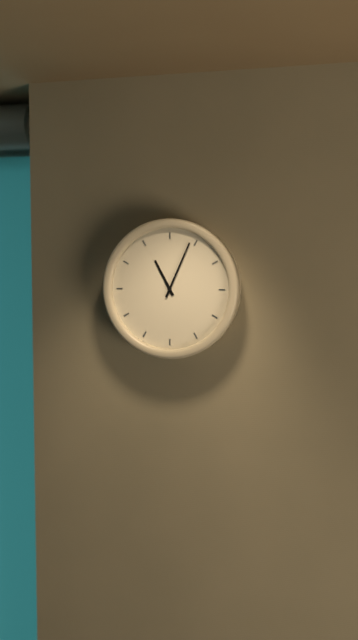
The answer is 11:04
